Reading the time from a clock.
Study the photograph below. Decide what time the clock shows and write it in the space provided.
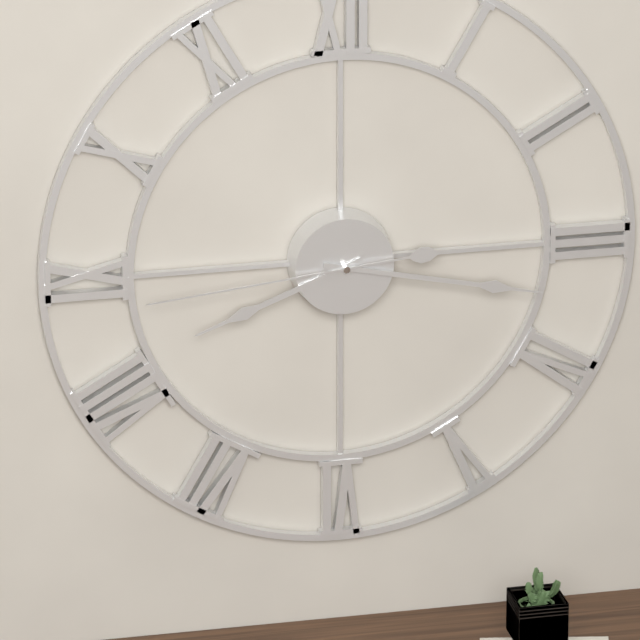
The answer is 8:17:44
